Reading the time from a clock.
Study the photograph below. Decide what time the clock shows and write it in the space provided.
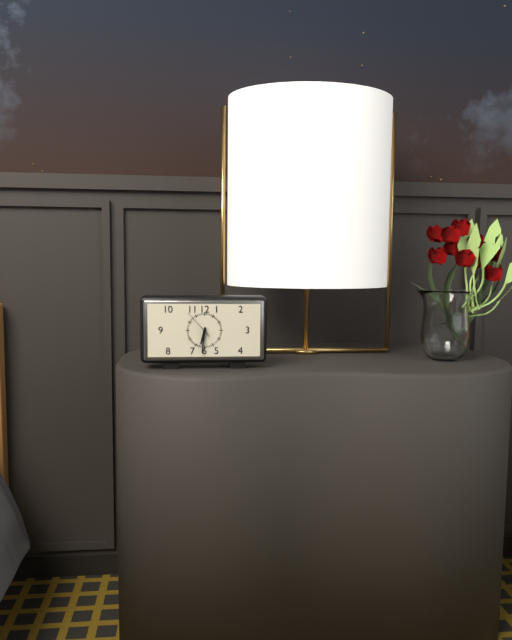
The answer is 6:31
